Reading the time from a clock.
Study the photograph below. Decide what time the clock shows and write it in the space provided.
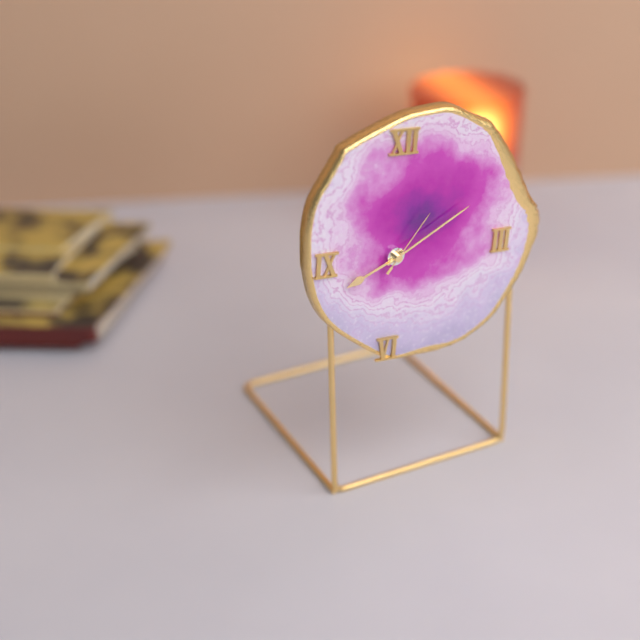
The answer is 8:10:06
